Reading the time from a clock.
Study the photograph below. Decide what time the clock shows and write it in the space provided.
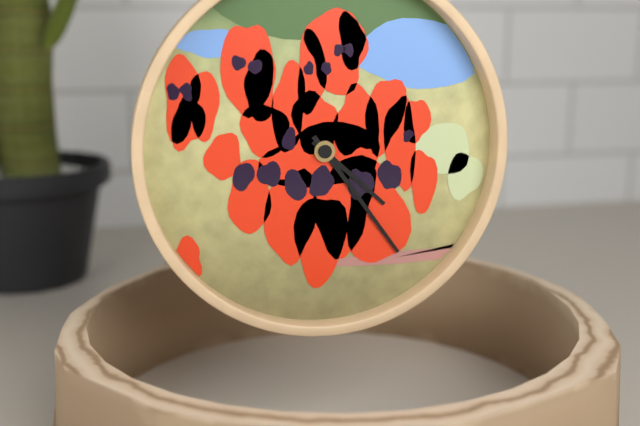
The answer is 4:24
